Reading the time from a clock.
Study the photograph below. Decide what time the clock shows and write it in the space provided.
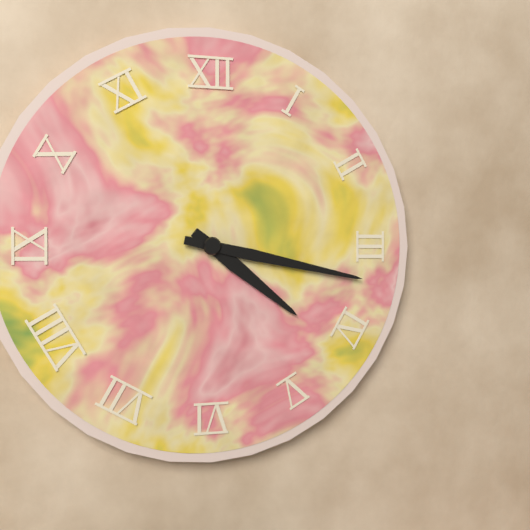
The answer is 4:17
